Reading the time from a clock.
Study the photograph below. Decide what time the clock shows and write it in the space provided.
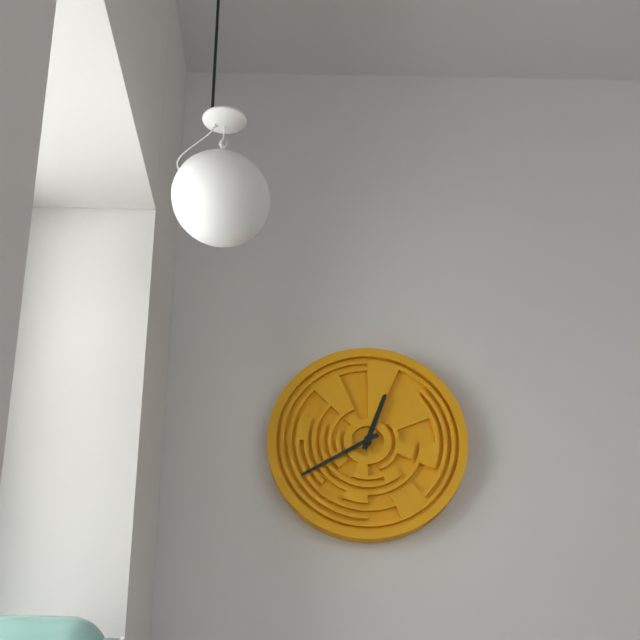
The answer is 12:40
